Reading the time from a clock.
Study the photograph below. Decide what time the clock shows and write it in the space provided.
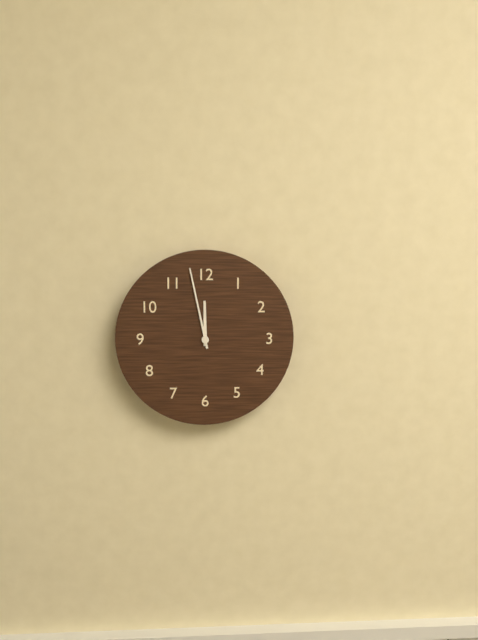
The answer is 11:58
